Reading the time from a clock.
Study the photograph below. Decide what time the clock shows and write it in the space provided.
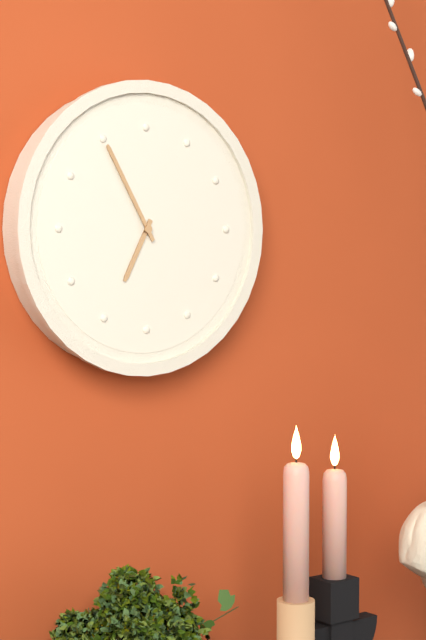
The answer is 6:55
